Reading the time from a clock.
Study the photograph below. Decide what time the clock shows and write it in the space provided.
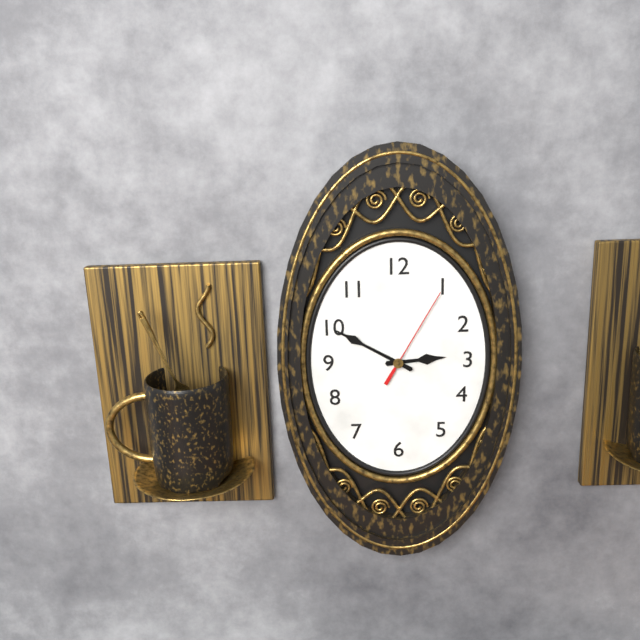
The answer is 2:50:05
